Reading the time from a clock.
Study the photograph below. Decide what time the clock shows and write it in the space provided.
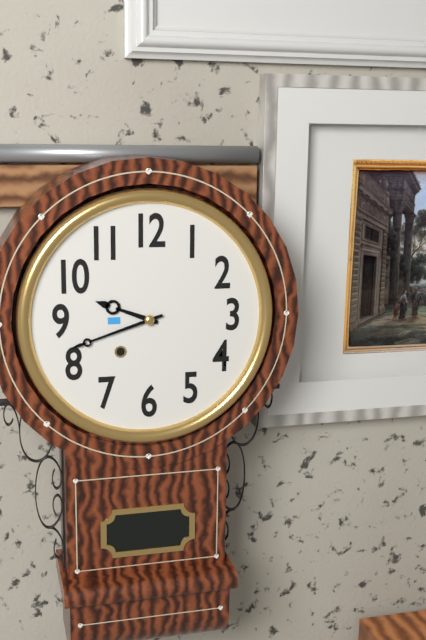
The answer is 9:42
